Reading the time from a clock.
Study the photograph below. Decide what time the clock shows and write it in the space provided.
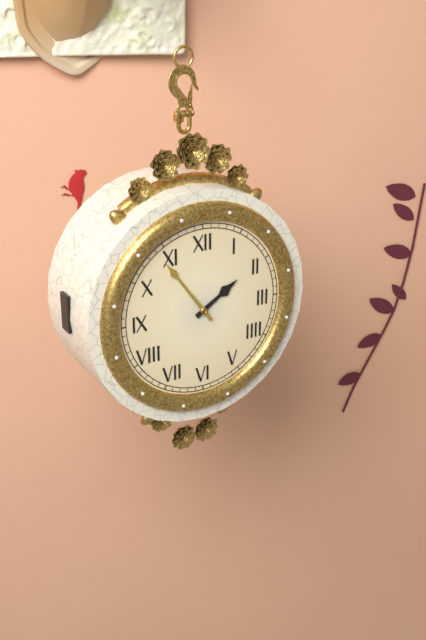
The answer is 1:54
